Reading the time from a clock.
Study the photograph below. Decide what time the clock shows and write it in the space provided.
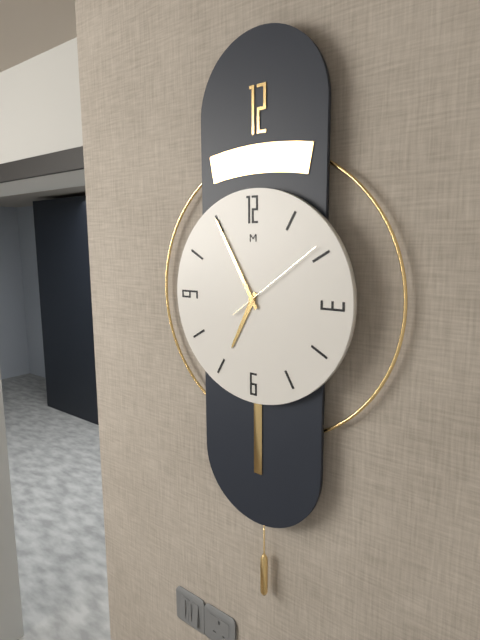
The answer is 6:55:09
